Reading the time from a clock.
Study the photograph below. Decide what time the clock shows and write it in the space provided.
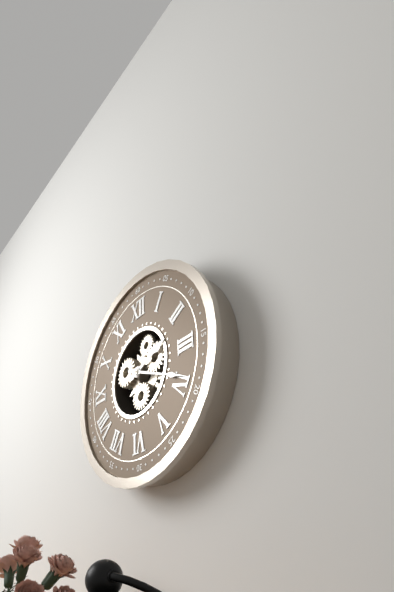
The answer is 2:19
